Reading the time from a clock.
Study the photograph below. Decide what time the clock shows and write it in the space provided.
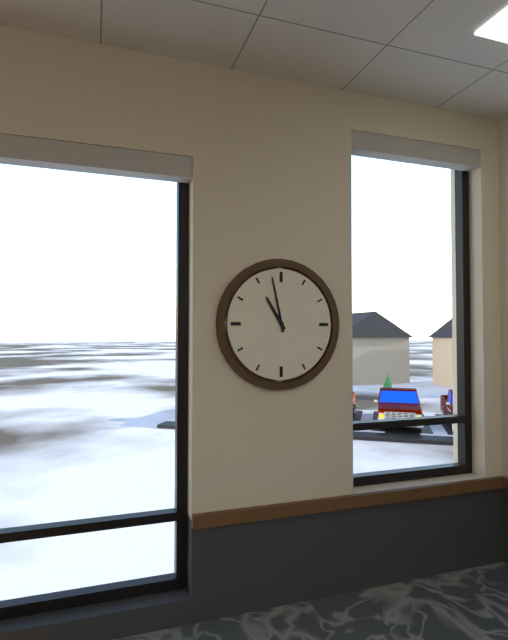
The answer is 10:58
